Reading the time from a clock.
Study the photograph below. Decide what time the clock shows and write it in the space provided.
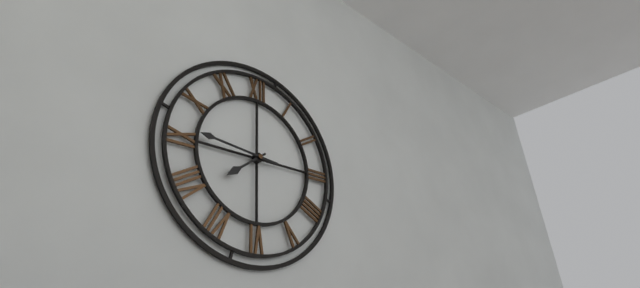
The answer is 7:46
